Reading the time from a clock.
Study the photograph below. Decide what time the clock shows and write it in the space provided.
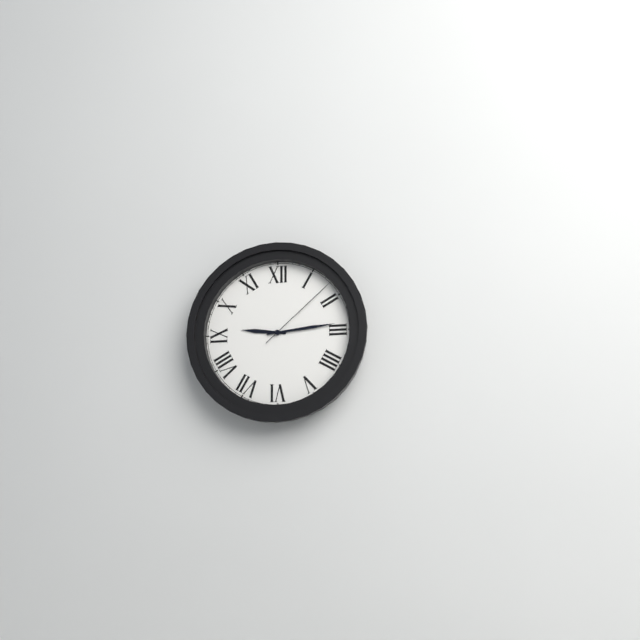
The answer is 9:14:08
